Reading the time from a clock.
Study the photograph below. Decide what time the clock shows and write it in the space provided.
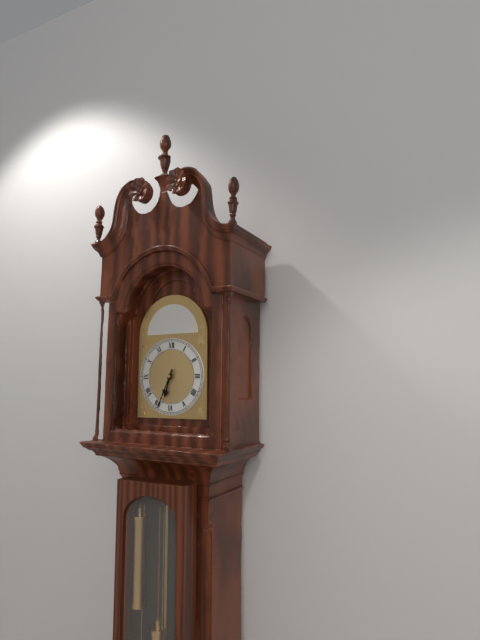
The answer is 6:34
